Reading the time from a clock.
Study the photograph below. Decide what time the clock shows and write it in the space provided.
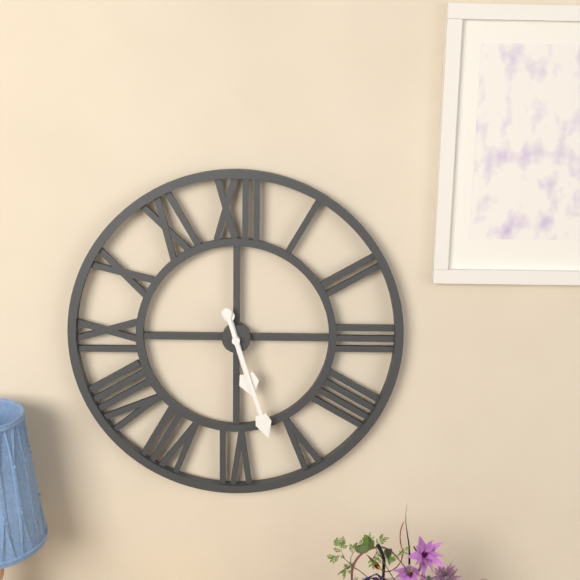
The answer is 5:27
